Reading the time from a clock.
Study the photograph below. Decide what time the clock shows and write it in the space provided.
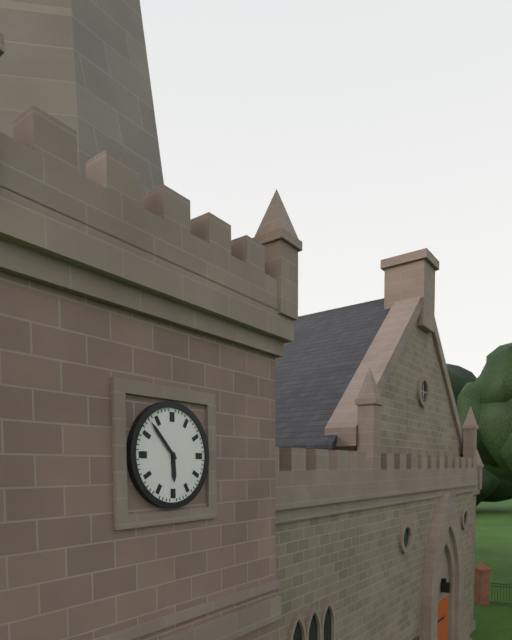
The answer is 5:53
